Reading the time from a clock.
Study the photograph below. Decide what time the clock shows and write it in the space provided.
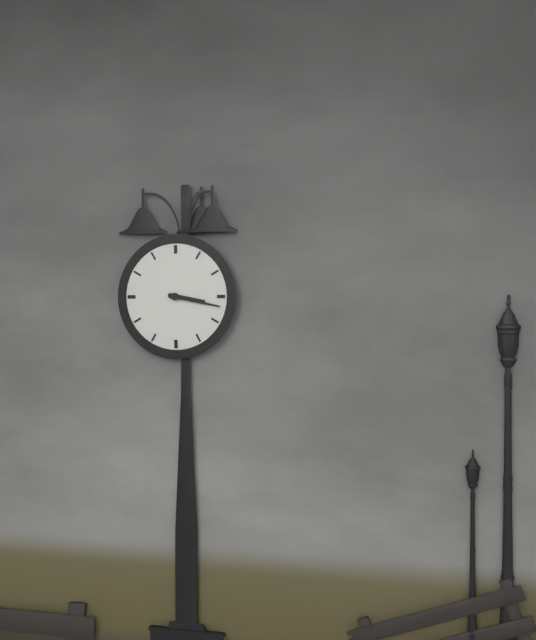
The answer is 3:17
